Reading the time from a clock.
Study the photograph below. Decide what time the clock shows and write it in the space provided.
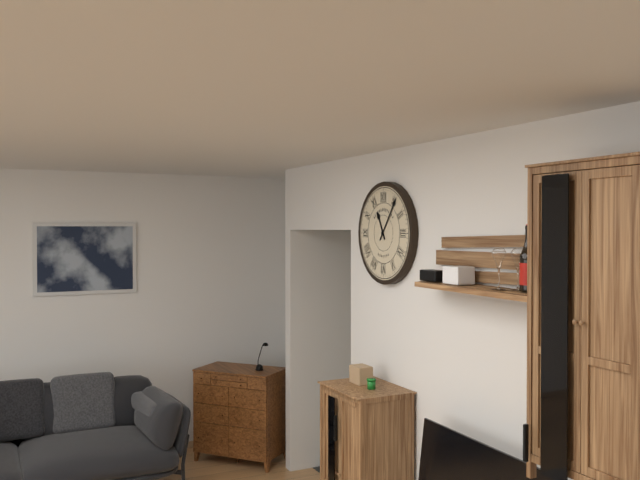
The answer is 11:06
